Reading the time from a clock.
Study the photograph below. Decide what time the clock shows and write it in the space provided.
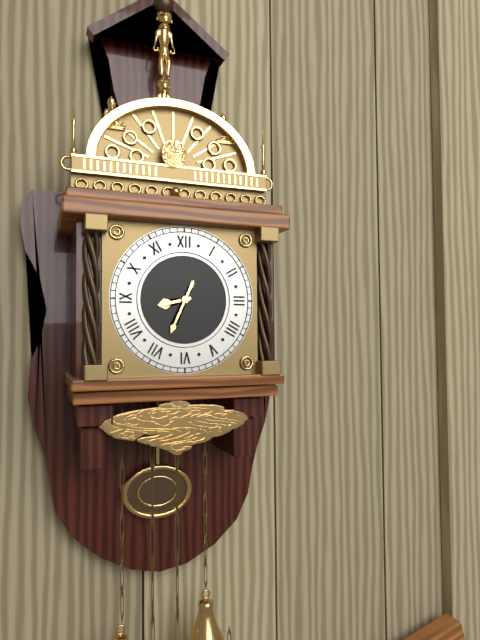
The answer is 8:34
